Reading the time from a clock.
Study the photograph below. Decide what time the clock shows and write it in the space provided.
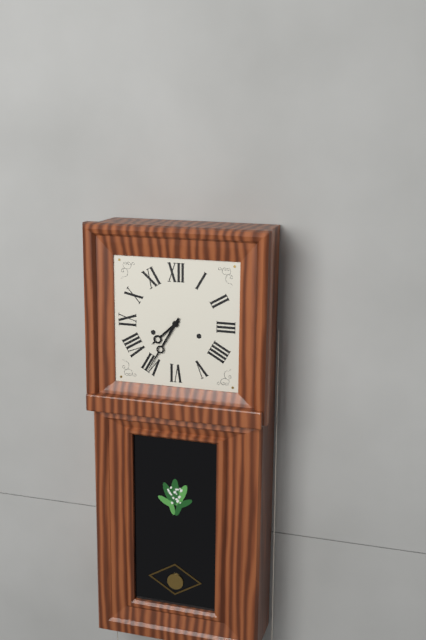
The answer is 7:35
